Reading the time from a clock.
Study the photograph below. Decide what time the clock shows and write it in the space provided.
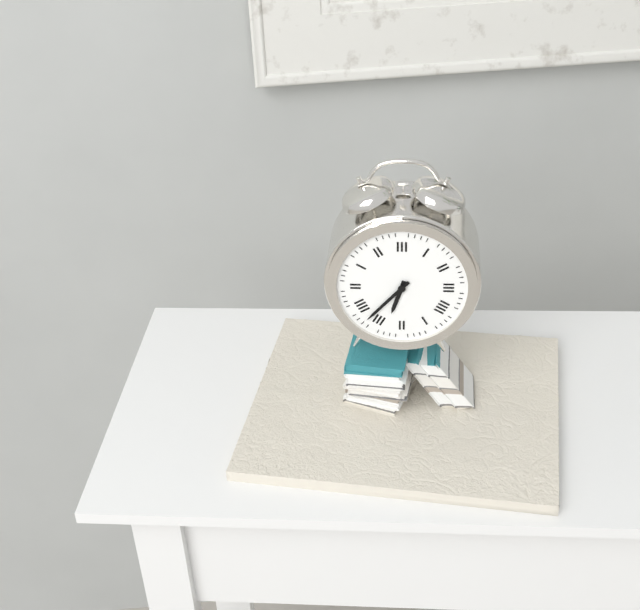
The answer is 6:37
